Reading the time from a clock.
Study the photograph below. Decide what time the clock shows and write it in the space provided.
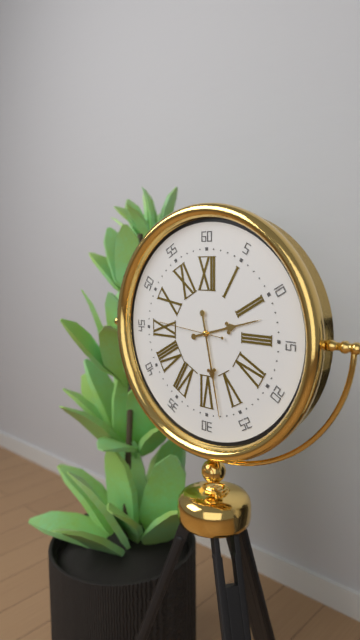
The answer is 2:28:46
